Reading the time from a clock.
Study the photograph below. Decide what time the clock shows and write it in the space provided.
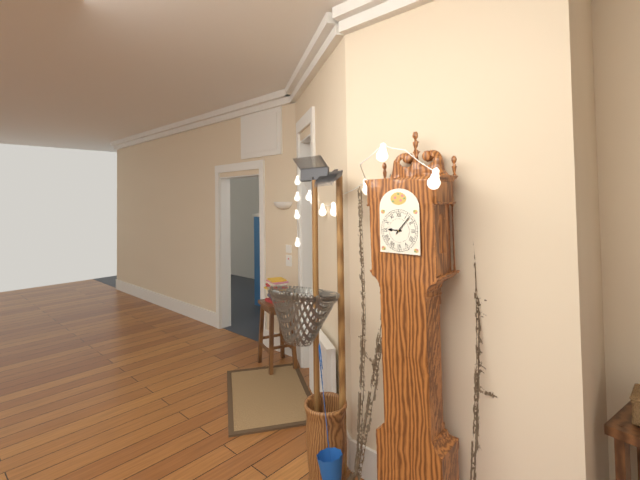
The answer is 9:07
